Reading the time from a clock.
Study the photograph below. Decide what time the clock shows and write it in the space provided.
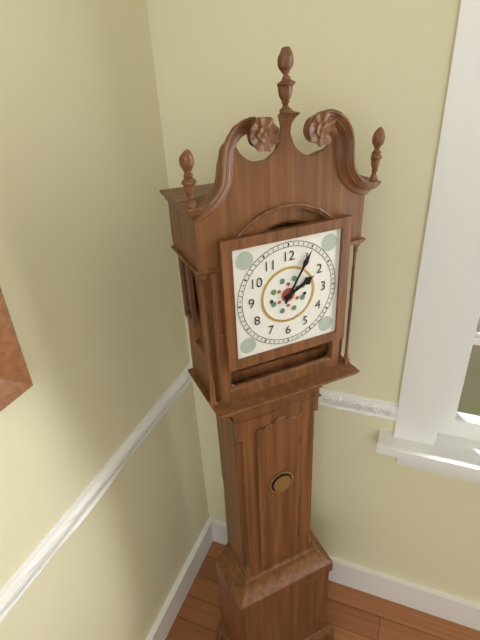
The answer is 2:05
